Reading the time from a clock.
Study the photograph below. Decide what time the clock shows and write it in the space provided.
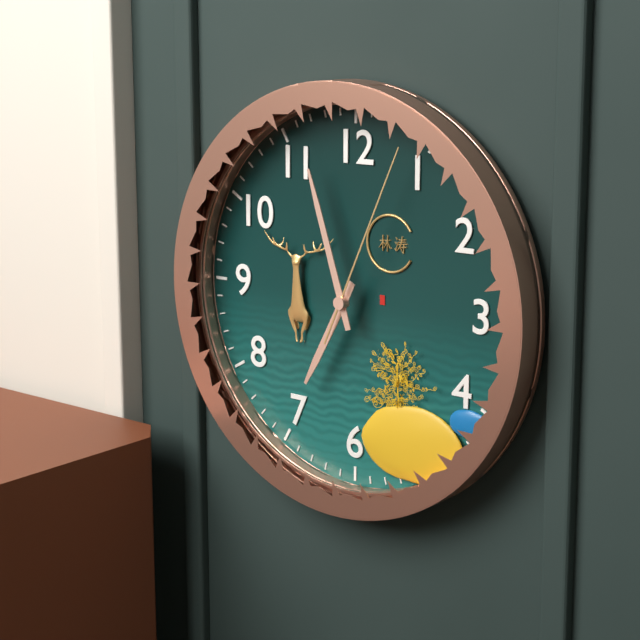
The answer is 6:57:04
